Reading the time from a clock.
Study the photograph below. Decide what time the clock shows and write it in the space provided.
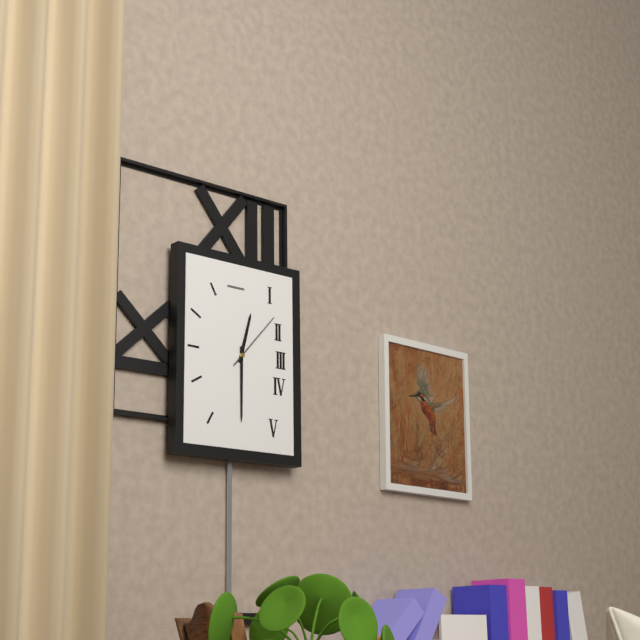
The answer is 12:30:07
